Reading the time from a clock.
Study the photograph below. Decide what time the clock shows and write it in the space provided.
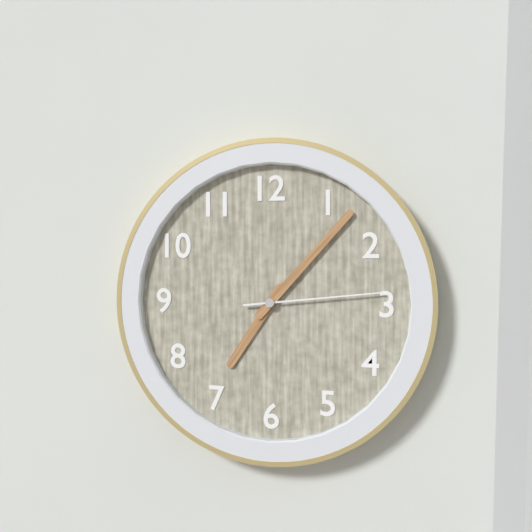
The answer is 7:07:14
